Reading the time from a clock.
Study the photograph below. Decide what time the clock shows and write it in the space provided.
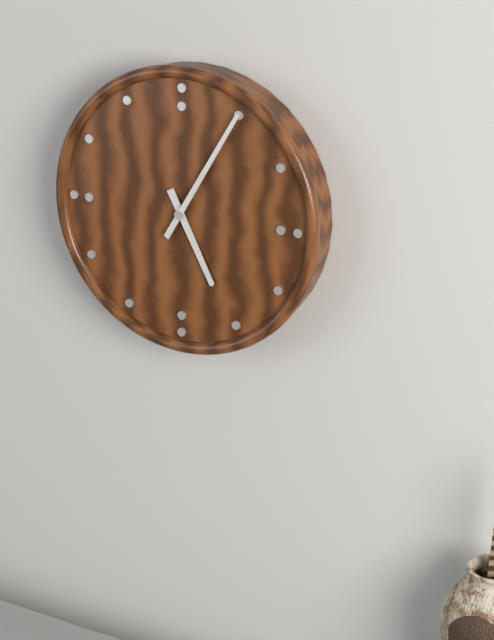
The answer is 5:05
